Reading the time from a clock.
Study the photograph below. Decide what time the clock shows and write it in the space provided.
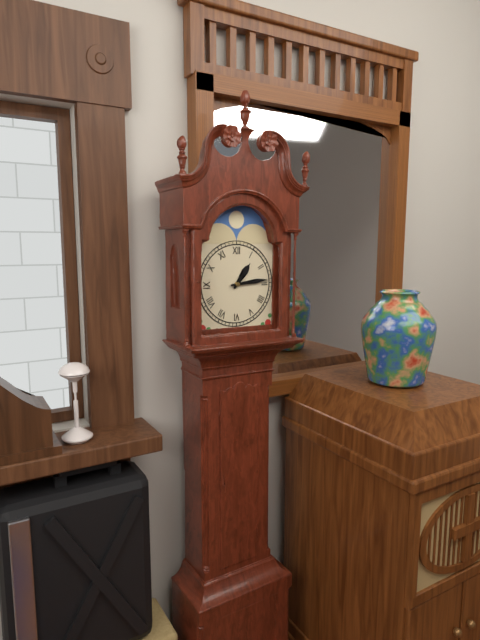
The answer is 1:14
